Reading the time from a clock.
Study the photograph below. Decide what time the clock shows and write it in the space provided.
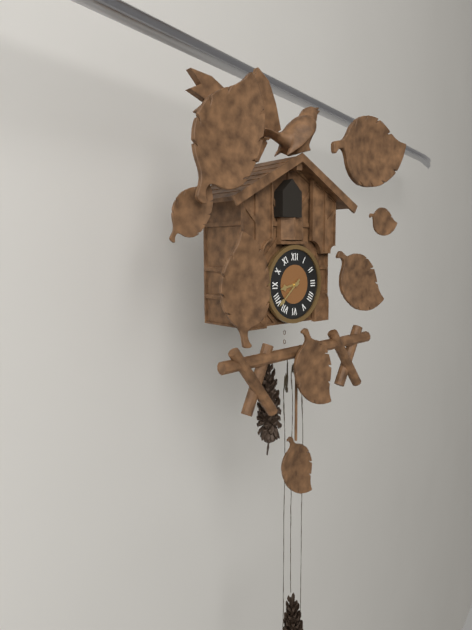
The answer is 8:38
